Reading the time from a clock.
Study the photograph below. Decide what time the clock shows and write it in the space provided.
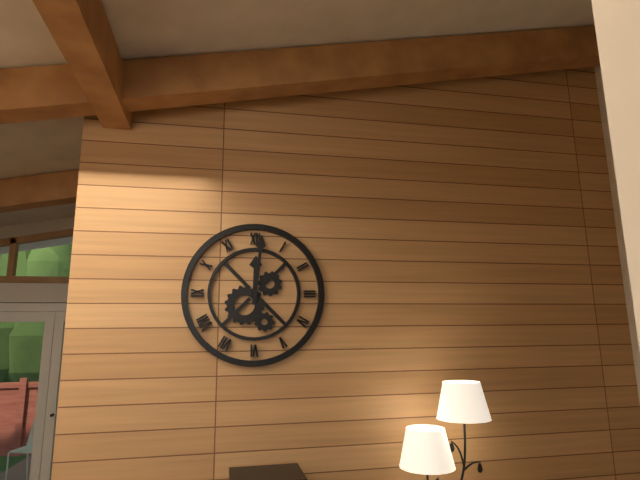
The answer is 12:01
